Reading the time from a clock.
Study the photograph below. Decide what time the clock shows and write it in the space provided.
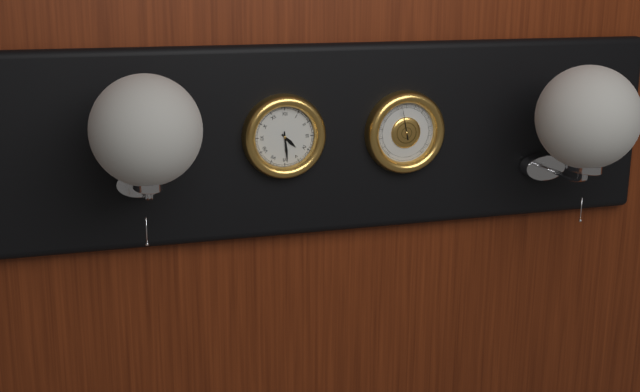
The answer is 4:29
